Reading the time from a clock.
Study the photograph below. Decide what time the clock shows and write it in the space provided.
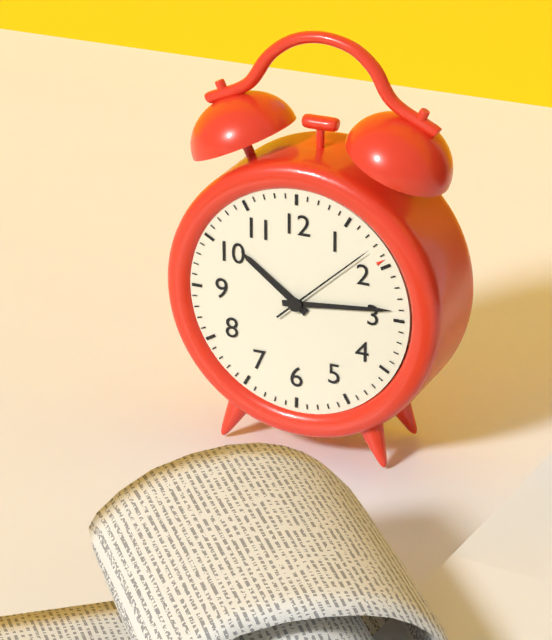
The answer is 10:14:08
